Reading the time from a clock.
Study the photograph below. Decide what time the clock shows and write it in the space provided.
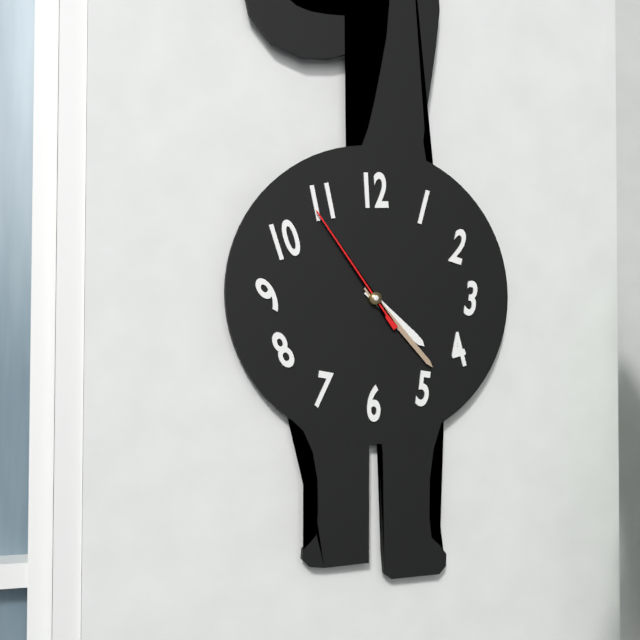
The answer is 4:23:54
